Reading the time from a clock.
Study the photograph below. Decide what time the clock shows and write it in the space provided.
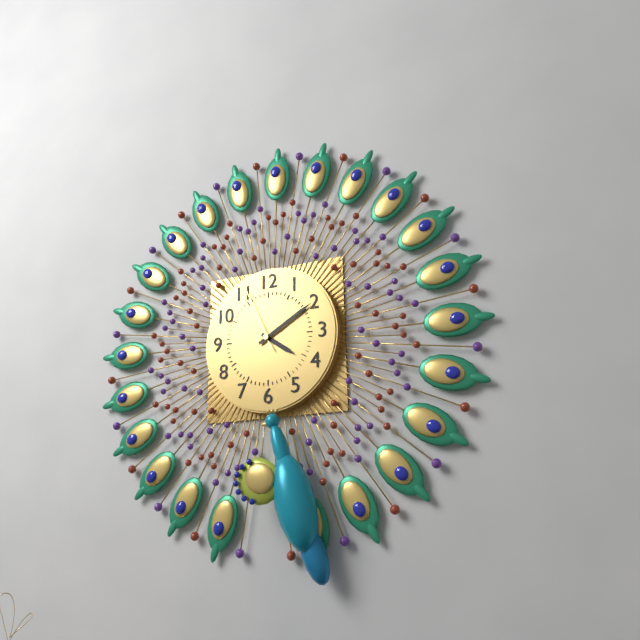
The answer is 4:10:56
